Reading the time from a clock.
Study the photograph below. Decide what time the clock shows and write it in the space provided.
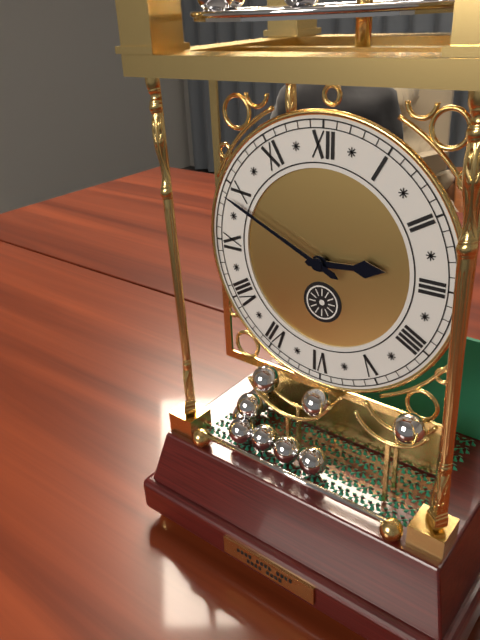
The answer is 2:49
